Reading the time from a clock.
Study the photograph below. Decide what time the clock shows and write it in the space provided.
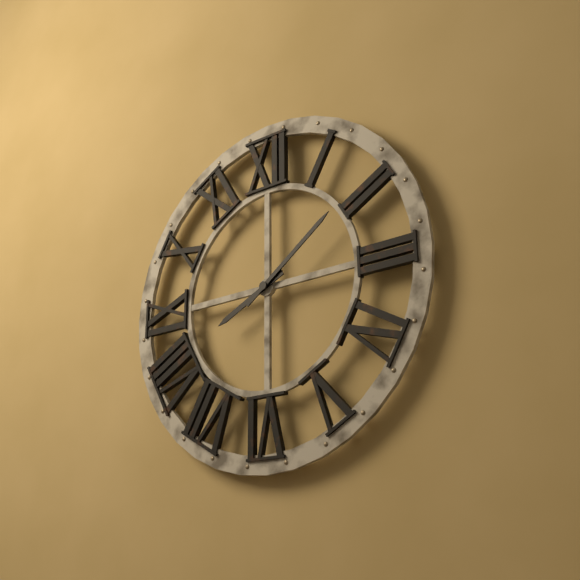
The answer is 8:09
